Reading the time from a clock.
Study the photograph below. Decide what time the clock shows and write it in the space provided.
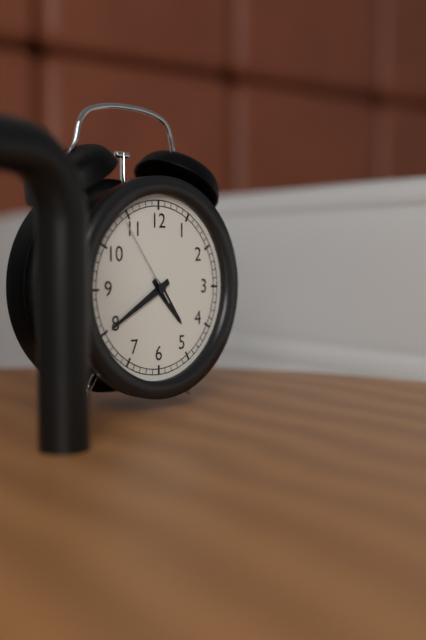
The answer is 4:40:54
